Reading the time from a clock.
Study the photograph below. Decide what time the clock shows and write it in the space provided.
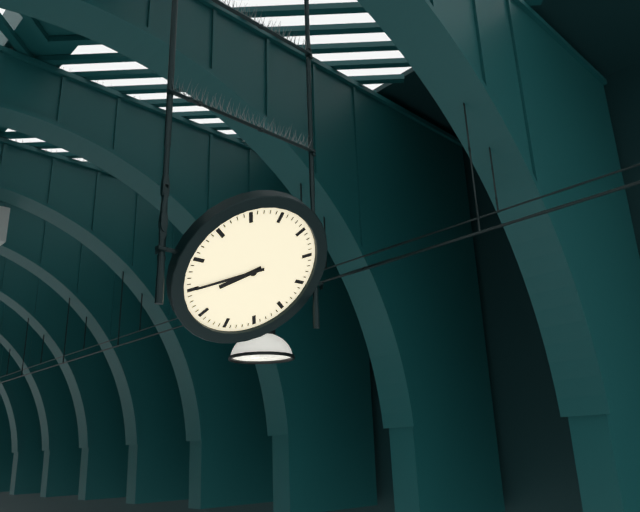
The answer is 7:40
